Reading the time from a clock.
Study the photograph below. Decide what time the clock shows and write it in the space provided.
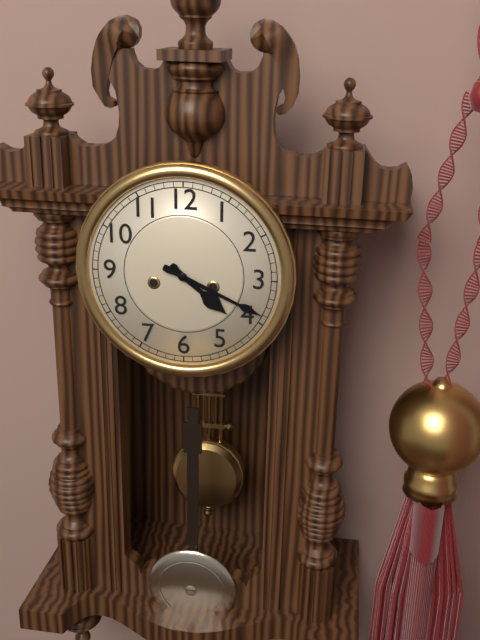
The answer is 4:19
